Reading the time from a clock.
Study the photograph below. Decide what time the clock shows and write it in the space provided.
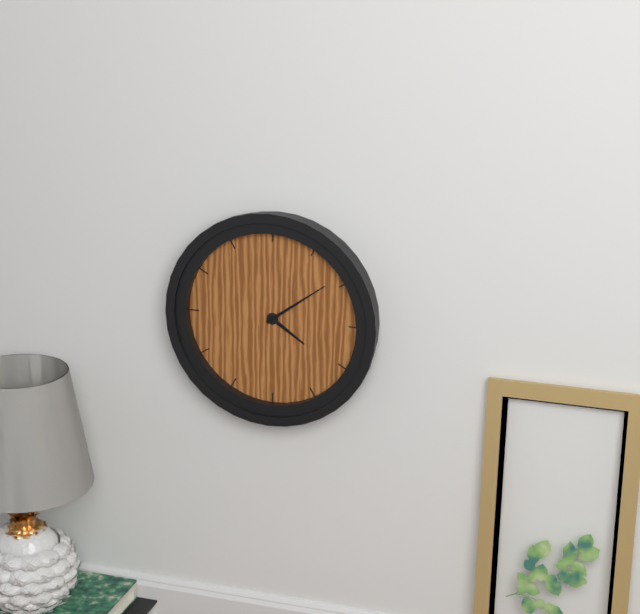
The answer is 4:09
